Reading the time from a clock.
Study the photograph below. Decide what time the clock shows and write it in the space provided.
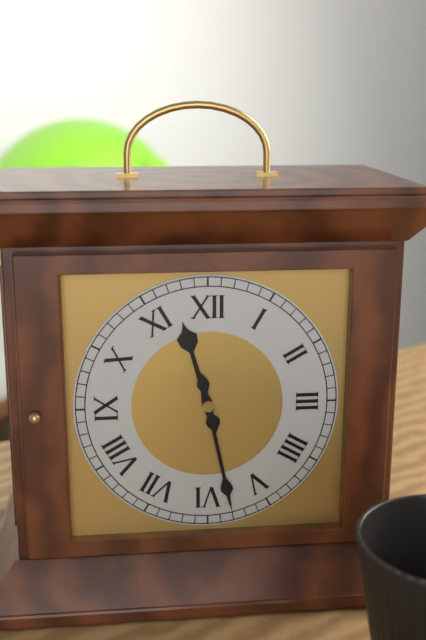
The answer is 11:28
